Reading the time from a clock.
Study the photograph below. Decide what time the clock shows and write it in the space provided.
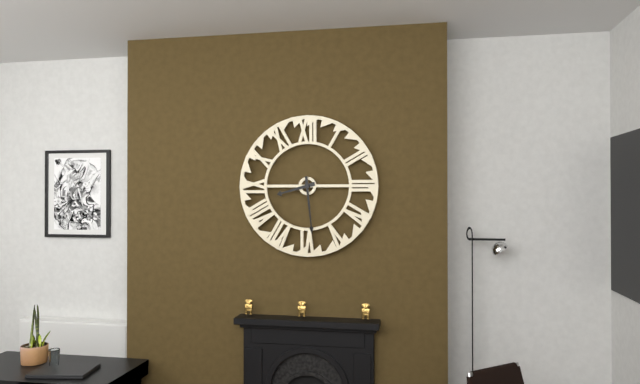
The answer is 8:29
